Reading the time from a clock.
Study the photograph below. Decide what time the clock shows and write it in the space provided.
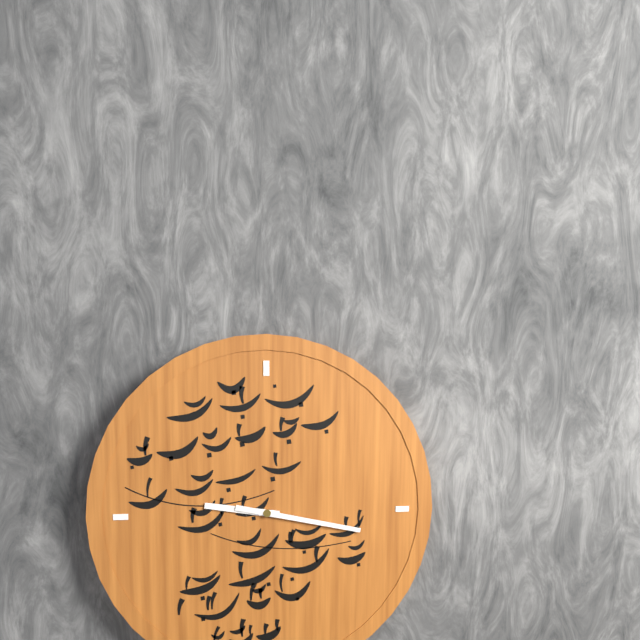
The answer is 9:17
